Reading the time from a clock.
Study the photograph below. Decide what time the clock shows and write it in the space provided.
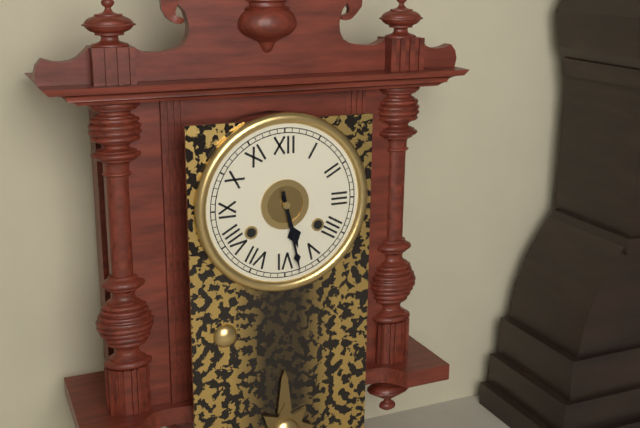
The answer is 5:28
